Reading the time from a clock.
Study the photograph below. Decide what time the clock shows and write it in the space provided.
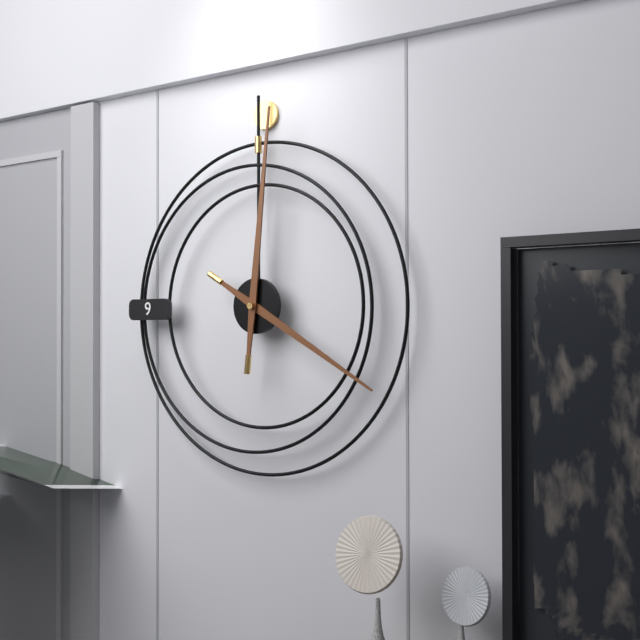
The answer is 4:01
